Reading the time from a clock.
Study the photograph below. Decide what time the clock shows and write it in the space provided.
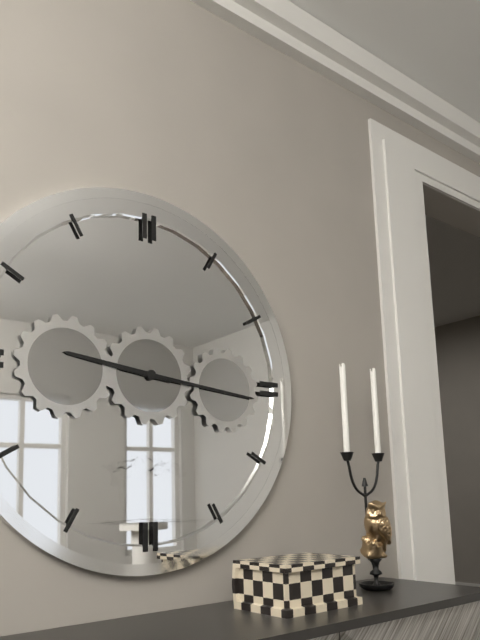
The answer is 9:16
